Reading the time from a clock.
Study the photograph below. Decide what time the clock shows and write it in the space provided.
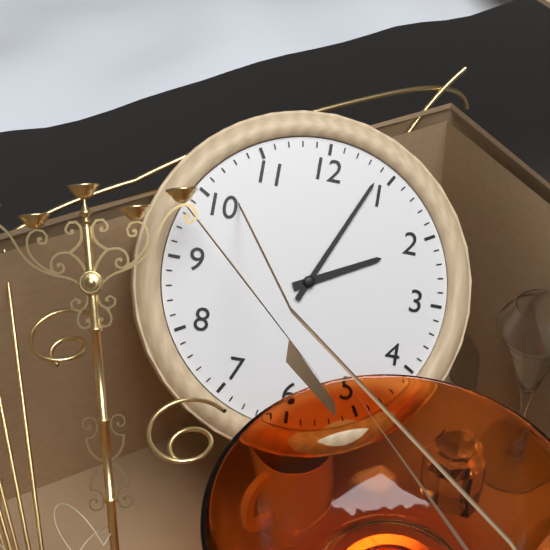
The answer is 2:04
